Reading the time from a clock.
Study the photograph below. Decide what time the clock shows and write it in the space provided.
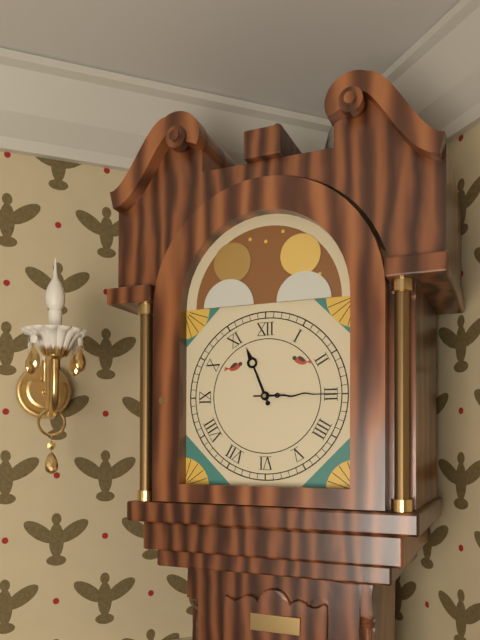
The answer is 11:15
